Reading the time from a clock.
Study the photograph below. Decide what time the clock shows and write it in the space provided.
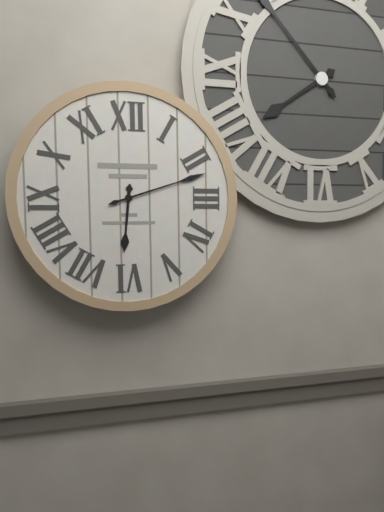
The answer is 6:12
